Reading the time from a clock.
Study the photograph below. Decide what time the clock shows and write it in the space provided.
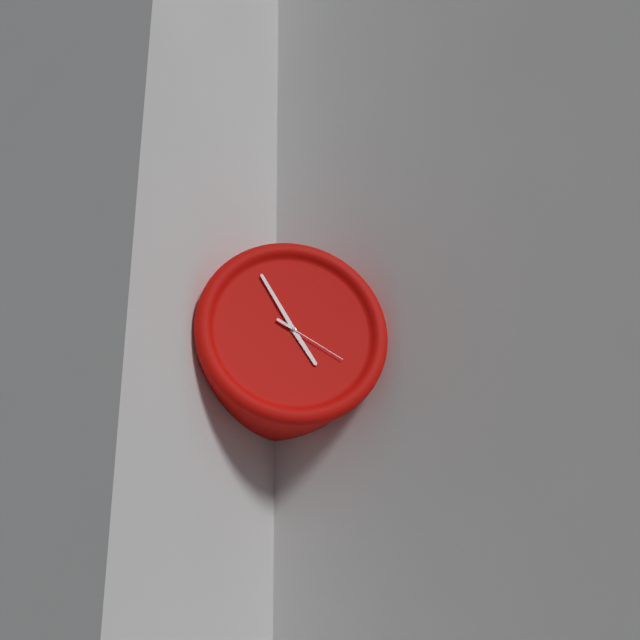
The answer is 4:55:20
